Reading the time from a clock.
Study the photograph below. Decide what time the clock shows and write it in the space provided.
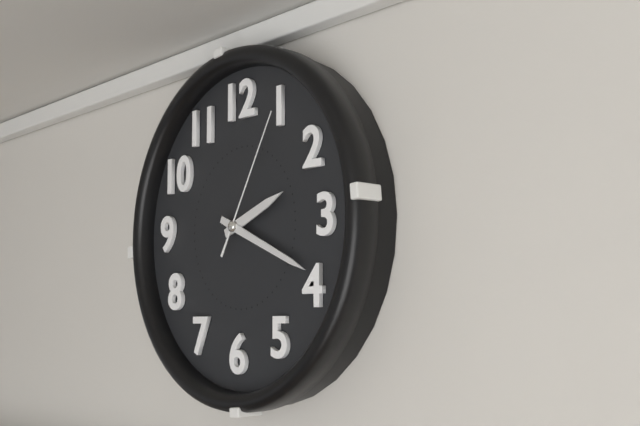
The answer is 2:19:05
